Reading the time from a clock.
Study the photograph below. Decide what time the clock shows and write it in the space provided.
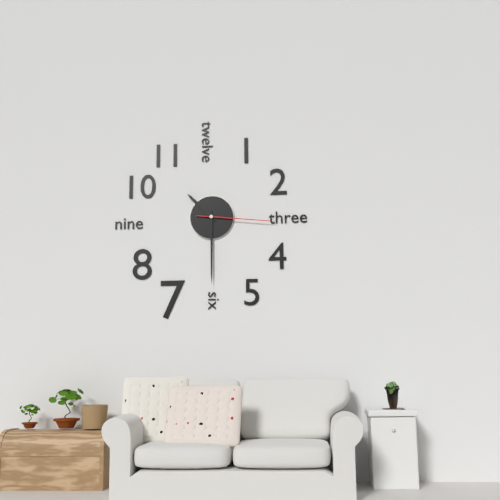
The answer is 10:30:16
